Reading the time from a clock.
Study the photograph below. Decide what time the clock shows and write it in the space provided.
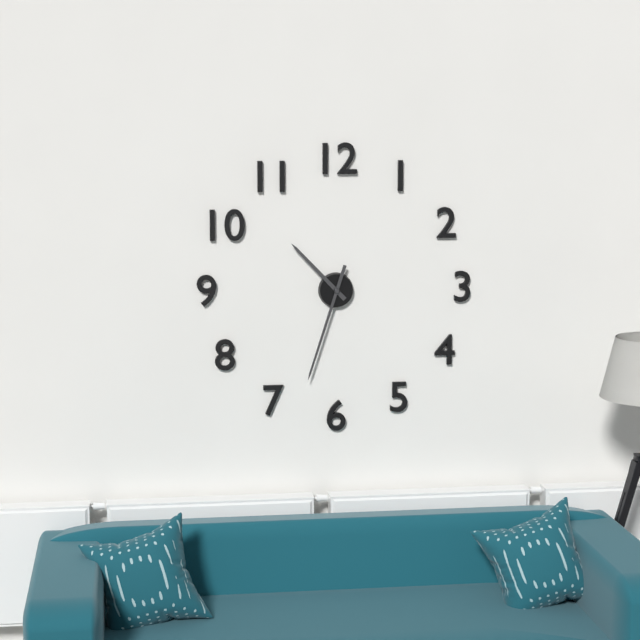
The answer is 10:33
